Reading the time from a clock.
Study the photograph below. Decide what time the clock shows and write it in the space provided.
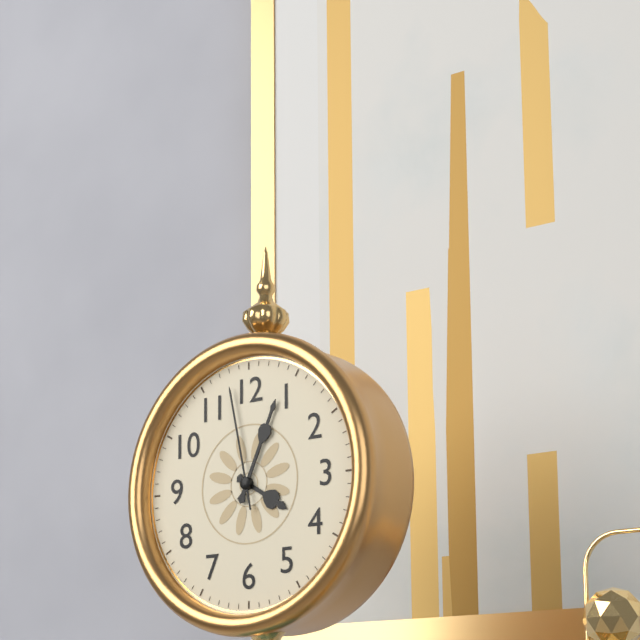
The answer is 4:04:58
